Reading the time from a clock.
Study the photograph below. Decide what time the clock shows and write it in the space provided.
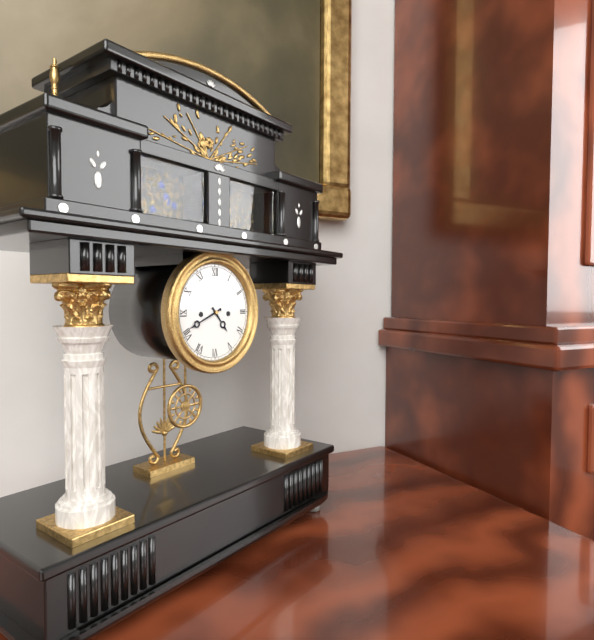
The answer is 4:41
